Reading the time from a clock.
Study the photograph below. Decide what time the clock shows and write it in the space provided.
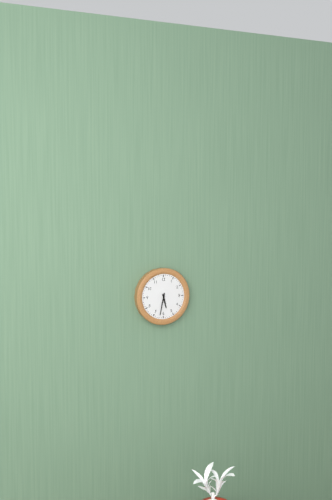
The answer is 5:32
